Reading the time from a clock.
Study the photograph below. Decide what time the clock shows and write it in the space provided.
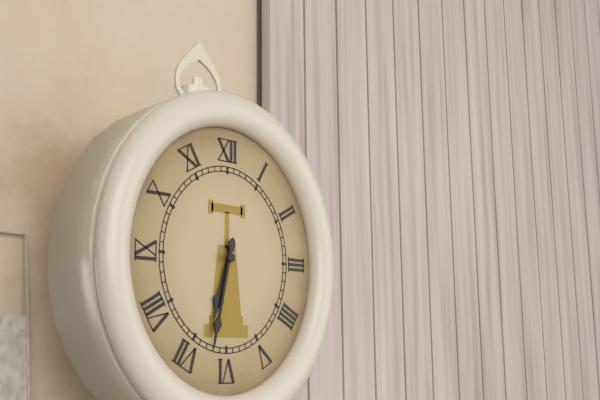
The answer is 6:32
